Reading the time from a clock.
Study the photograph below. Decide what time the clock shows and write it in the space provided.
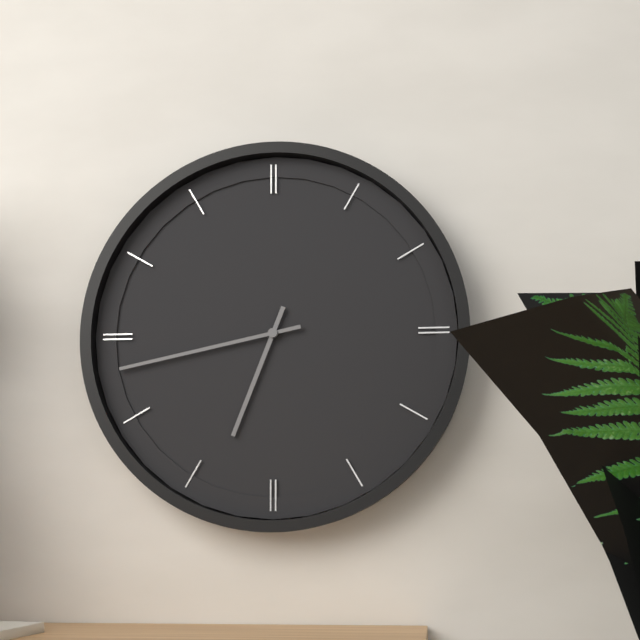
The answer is 6:43
